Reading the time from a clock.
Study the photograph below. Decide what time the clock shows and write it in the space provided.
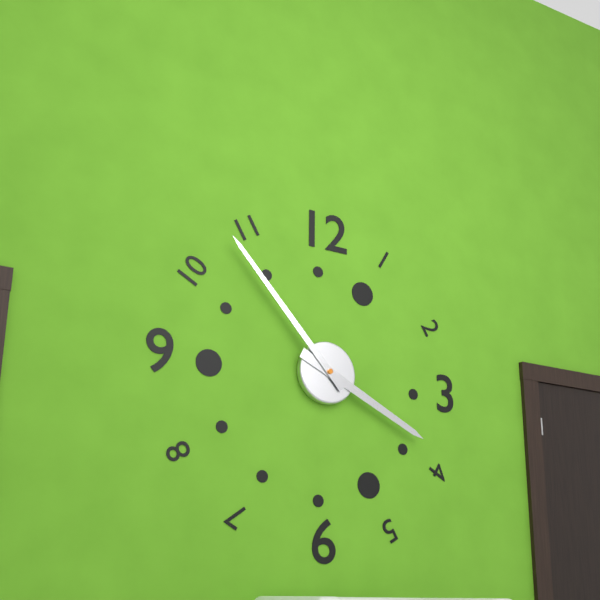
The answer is 3:53
